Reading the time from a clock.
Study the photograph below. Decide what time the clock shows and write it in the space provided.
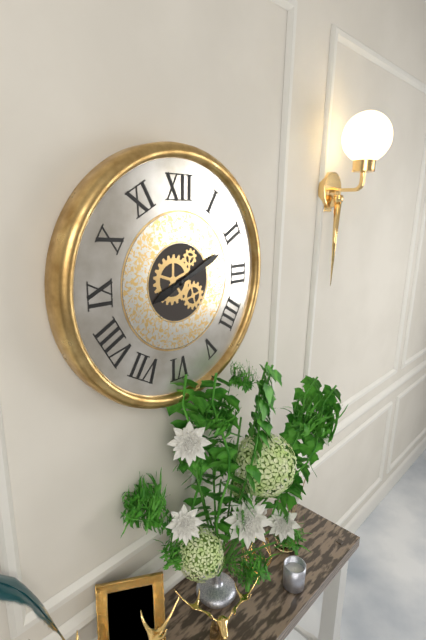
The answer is 8:11
